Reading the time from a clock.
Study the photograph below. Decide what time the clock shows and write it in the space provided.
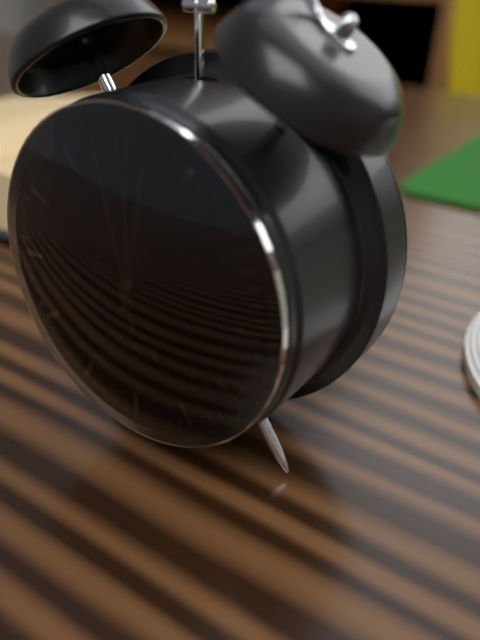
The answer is 12:02:58
